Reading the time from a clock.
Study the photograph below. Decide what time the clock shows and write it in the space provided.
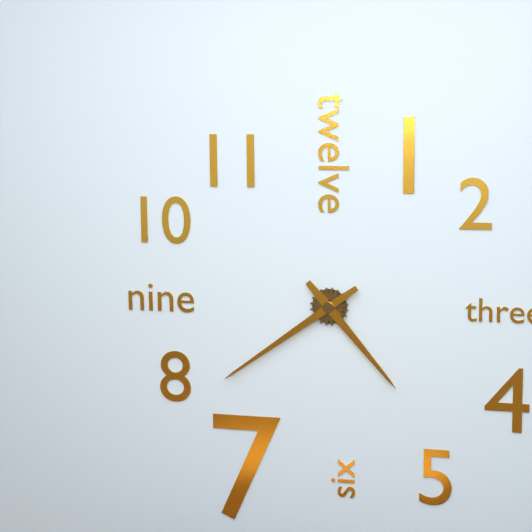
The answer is 4:39
